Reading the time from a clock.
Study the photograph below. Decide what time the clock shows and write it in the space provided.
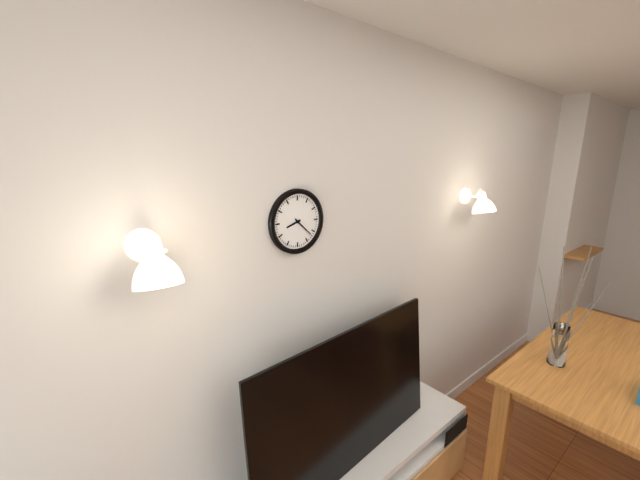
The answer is 8:22
